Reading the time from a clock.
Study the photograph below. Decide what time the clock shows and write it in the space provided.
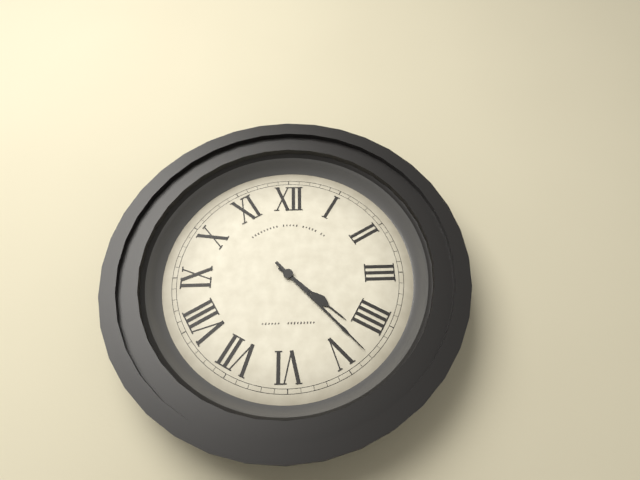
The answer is 4:23
